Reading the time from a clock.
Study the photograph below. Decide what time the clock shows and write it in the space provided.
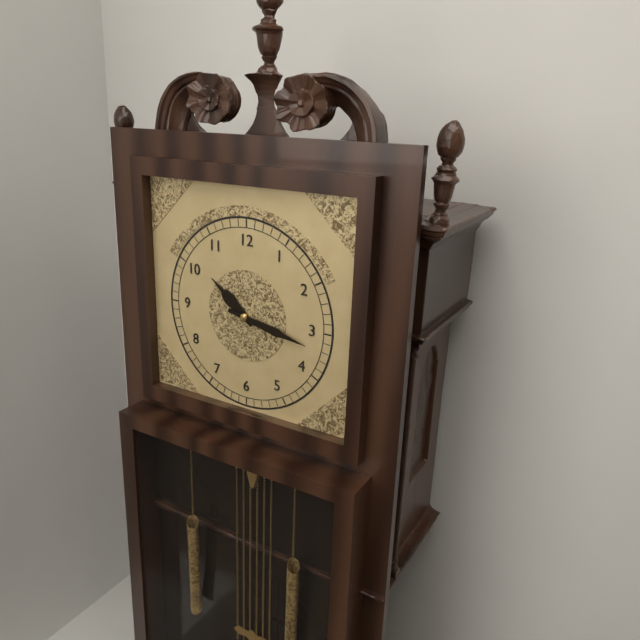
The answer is 10:17
